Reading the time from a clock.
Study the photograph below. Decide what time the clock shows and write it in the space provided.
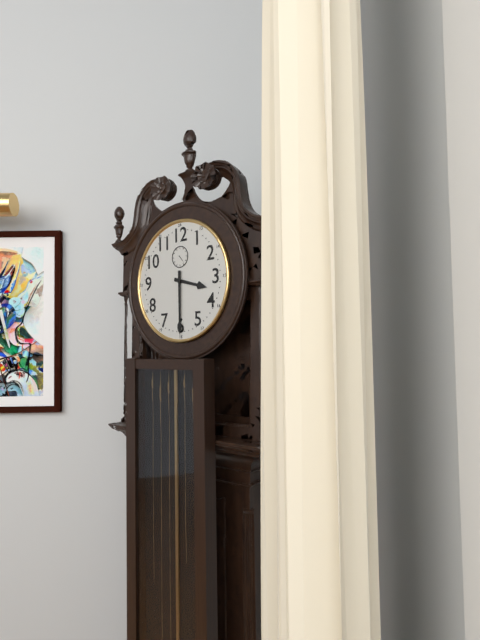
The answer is 3:30
